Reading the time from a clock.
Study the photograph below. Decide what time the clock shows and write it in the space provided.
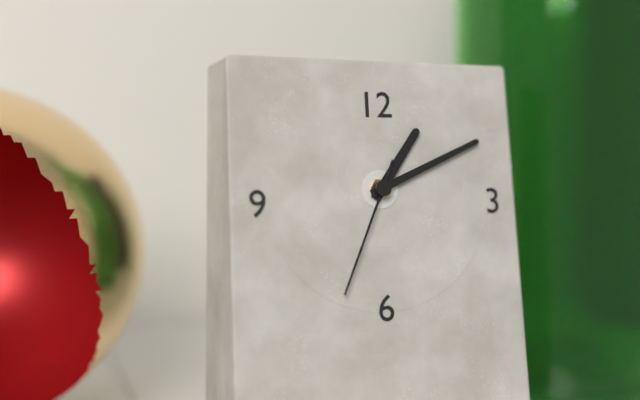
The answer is 1:11:34
